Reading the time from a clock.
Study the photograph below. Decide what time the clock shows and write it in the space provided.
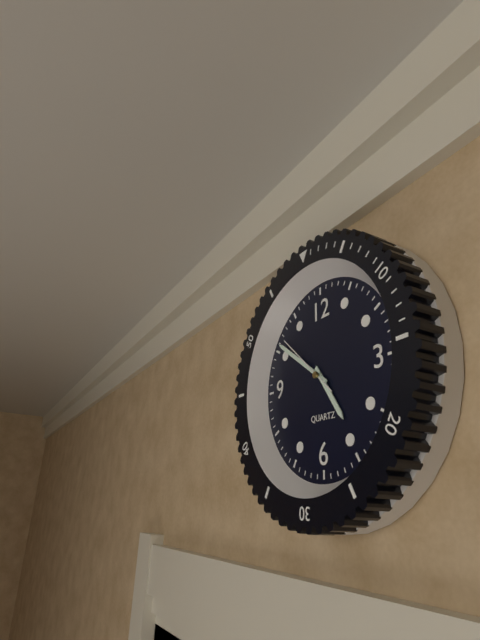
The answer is 4:51:52
